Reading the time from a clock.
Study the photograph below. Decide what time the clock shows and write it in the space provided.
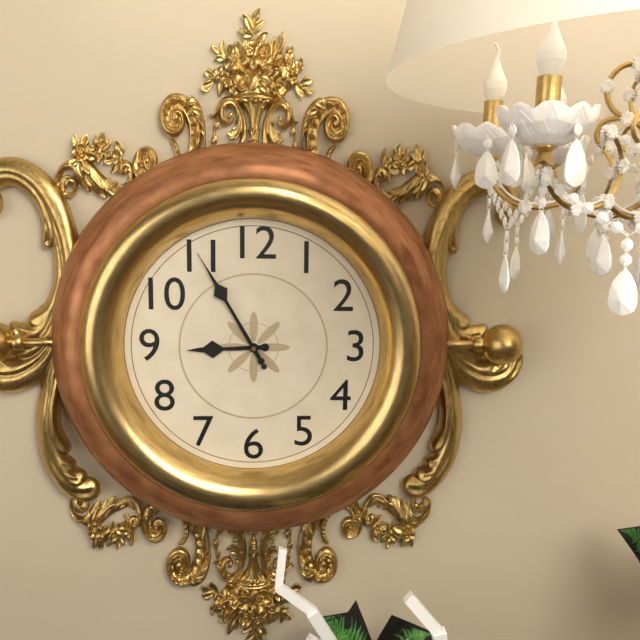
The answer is 8:55:55
